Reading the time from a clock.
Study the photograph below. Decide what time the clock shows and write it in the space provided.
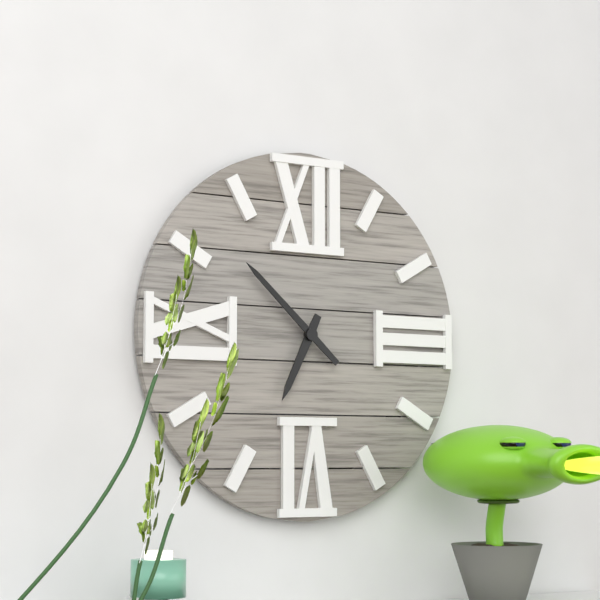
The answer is 6:52
